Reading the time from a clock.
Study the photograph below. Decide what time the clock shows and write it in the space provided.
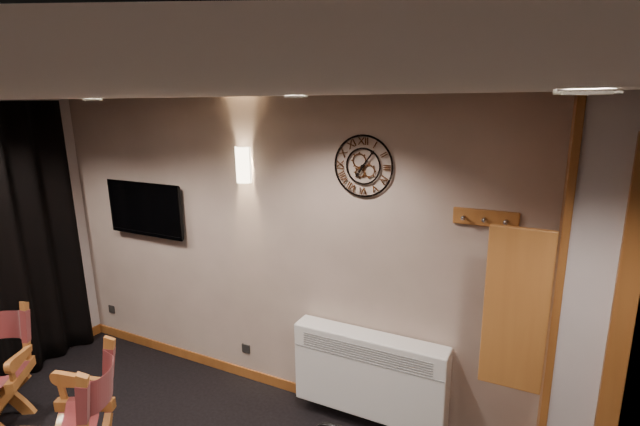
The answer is 7:06
